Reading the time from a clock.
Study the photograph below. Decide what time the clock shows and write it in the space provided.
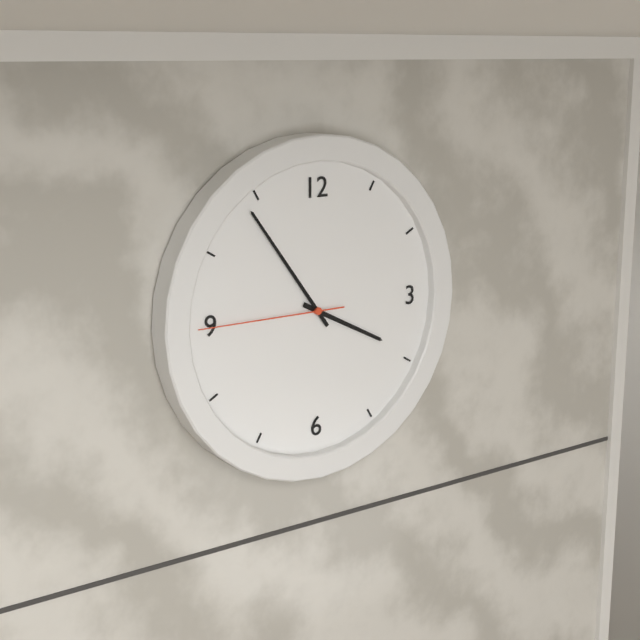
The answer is 3:54:45
